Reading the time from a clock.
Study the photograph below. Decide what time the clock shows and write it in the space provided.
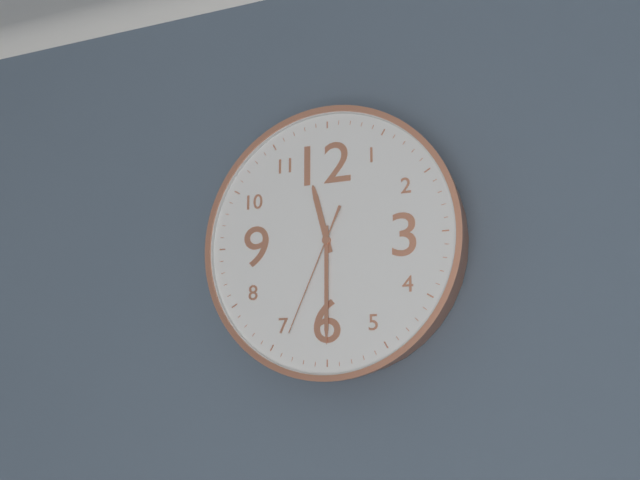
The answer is 11:30:34
